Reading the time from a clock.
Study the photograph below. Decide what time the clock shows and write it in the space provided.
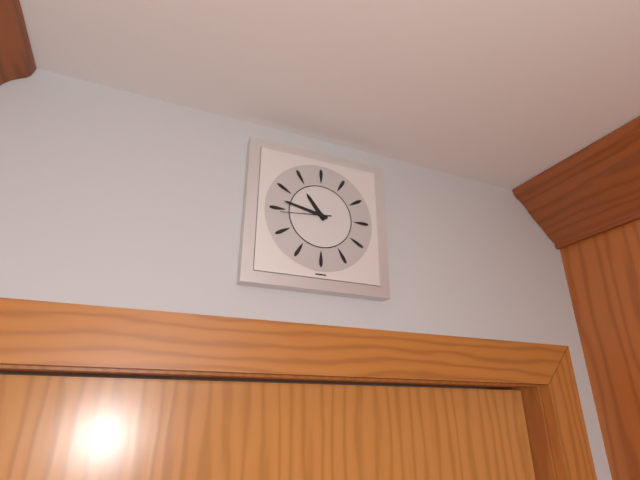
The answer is 10:47:44
